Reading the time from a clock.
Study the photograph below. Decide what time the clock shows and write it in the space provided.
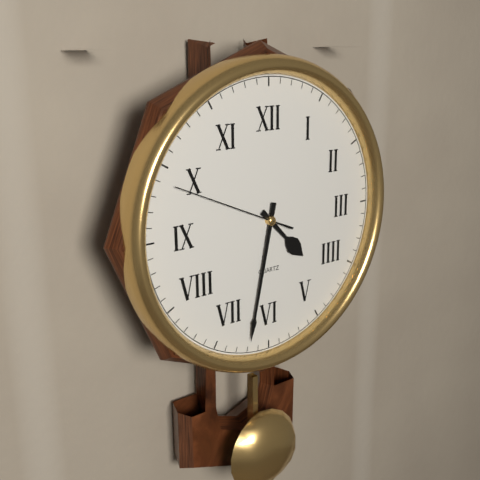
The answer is 4:32:49
